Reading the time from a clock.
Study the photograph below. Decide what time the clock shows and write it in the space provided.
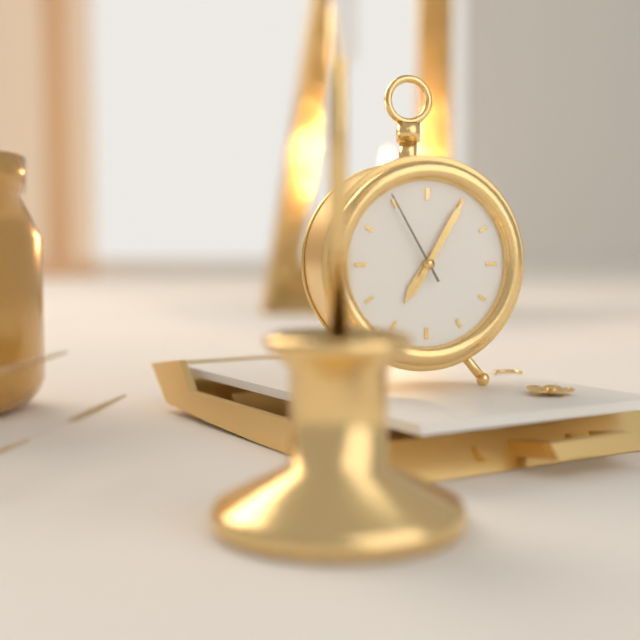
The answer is 7:05:55
